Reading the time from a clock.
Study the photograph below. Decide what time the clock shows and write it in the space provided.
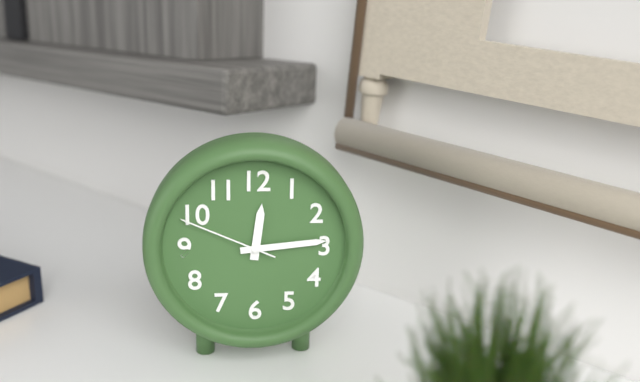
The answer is 12:14:49
